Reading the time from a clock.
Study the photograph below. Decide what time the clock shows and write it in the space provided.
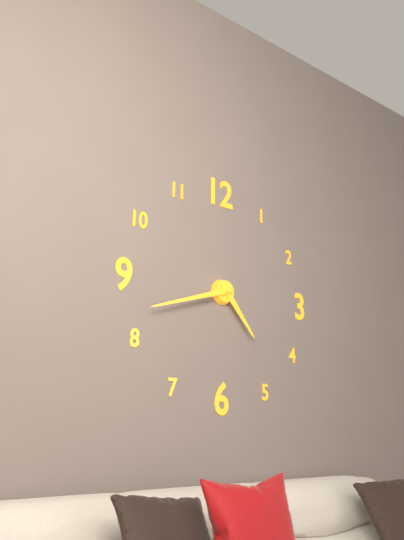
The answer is 4:42
